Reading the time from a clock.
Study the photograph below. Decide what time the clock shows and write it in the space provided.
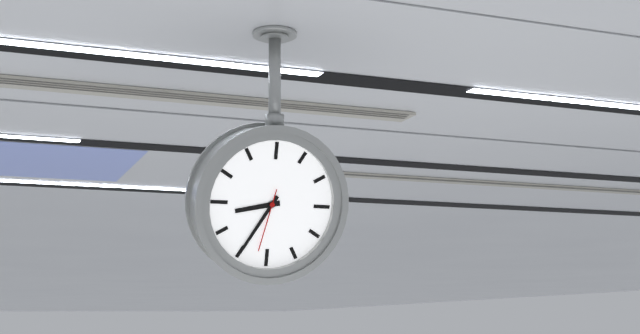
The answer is 8:35:32
